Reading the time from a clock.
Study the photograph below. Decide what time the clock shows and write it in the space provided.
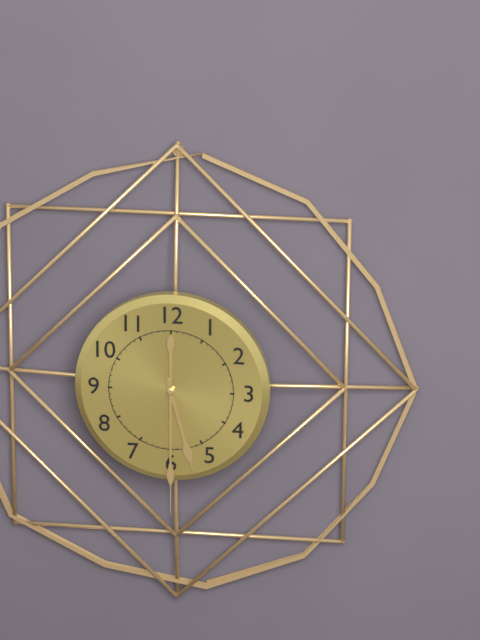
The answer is 5:30
